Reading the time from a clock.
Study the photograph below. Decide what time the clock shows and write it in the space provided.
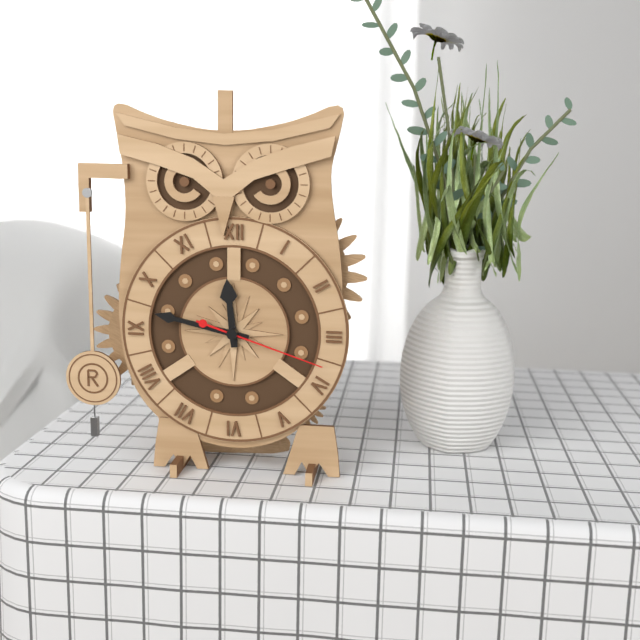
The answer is 11:47:18
